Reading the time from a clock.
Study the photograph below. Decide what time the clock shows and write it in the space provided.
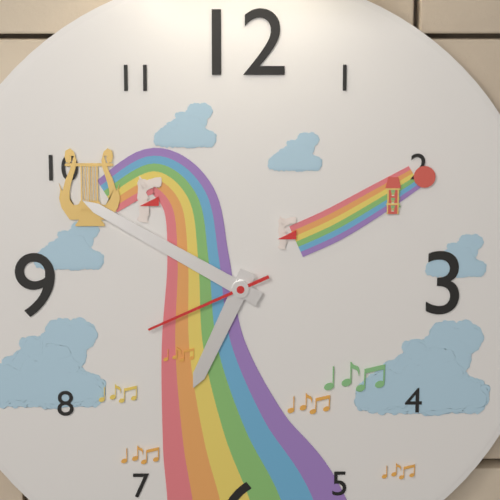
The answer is 6:50:41
